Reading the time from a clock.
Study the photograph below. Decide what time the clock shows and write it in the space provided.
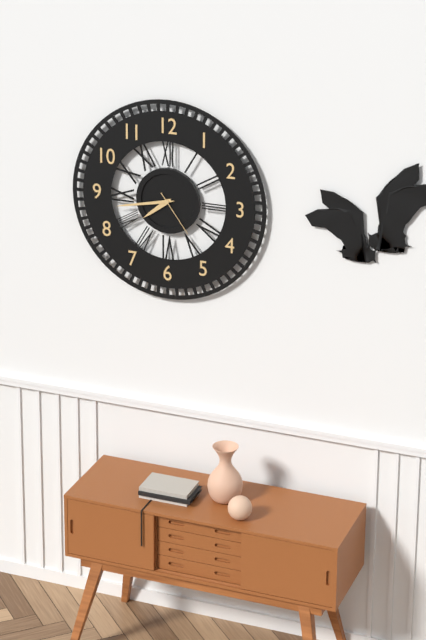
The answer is 7:43
